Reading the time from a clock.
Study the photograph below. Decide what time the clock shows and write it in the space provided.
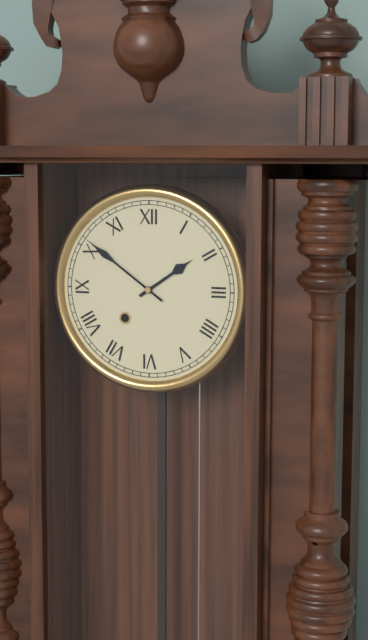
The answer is 1:51
